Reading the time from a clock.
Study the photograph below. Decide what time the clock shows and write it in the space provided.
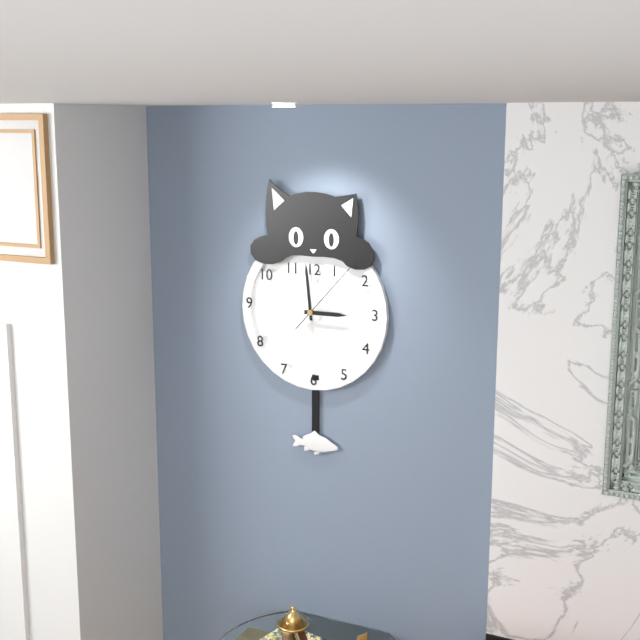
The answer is 2:59:07
